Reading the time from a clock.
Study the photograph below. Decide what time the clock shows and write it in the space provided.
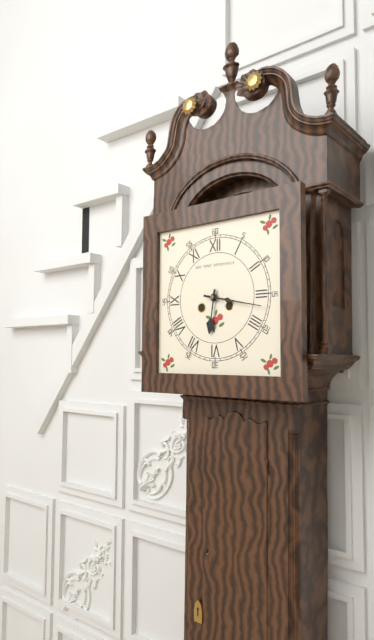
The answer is 6:17
